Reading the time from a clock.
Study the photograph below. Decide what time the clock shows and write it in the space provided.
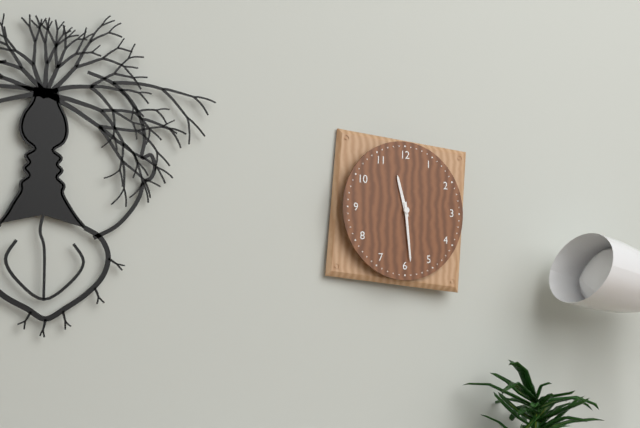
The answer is 11:29
